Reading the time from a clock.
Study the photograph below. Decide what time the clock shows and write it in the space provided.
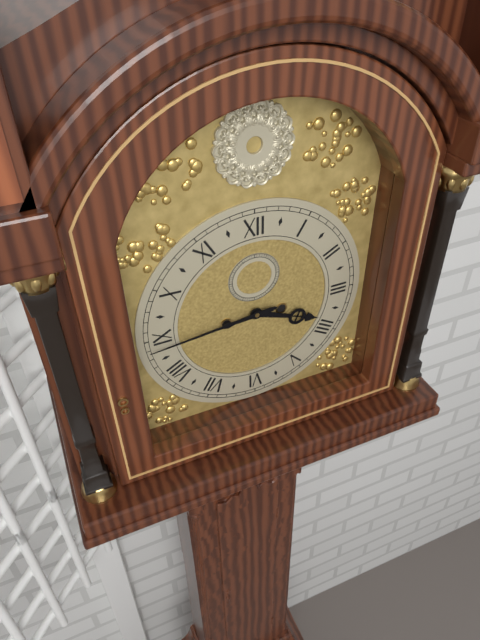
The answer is 3:44
